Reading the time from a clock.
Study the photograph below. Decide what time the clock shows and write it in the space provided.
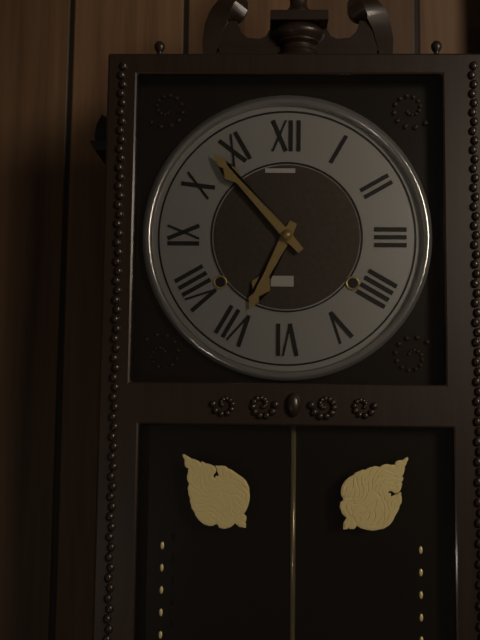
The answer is 6:53
